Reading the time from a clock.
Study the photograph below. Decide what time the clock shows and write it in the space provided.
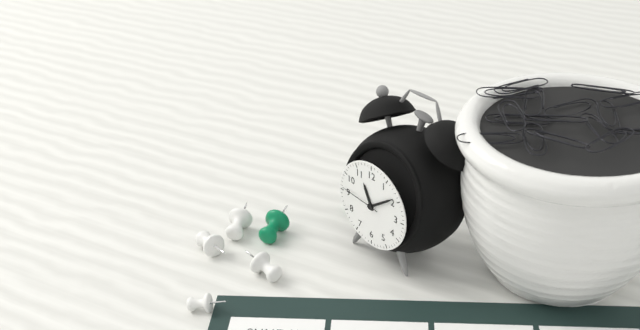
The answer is 11:09
